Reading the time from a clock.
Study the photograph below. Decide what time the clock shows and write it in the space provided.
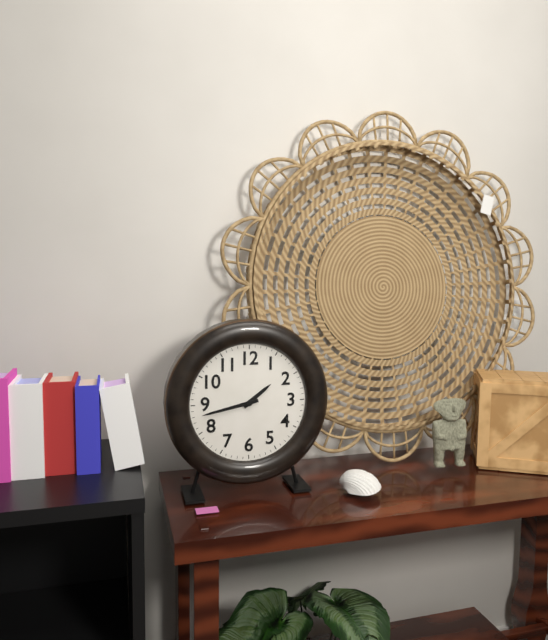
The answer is 1:43
